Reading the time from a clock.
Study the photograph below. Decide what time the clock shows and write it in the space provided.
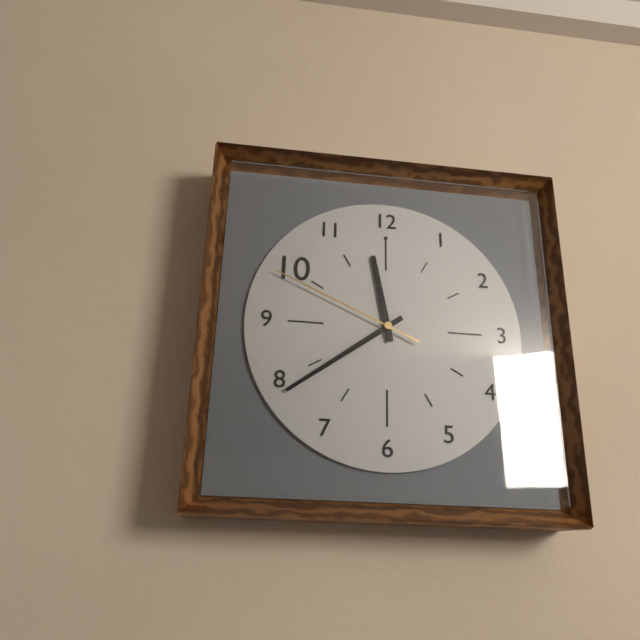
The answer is 11:39:49
